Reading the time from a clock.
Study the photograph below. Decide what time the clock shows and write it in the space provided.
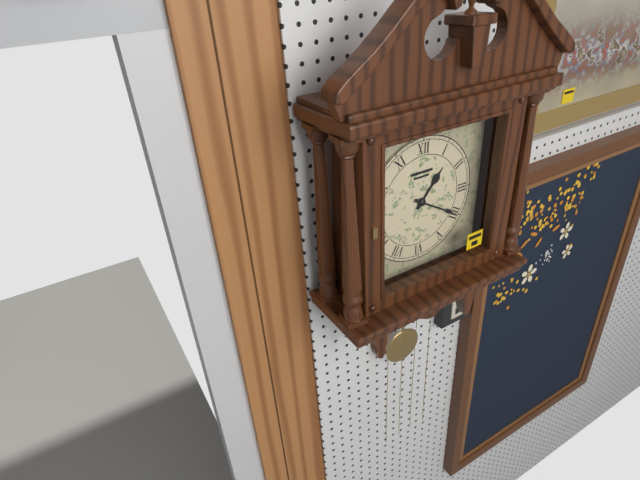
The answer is 1:20
